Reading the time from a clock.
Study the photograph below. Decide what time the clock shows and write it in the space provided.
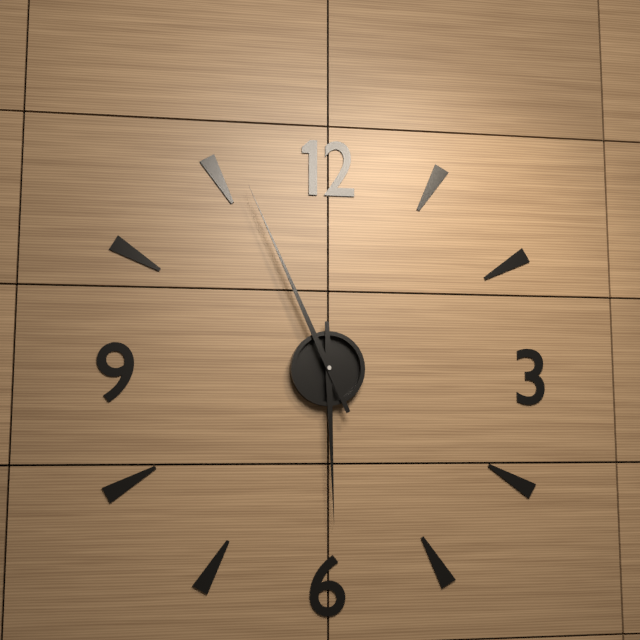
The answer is 5:56
